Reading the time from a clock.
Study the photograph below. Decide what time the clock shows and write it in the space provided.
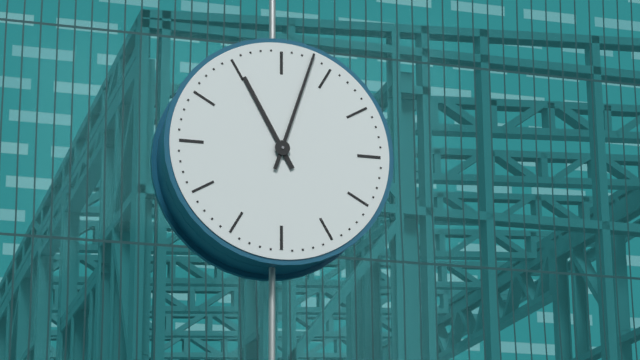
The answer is 11:03
